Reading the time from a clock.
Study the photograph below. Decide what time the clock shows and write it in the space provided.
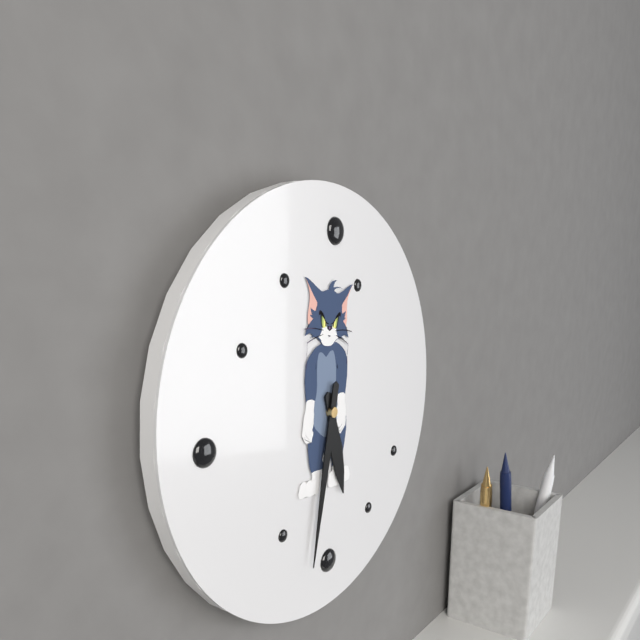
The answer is 5:32
